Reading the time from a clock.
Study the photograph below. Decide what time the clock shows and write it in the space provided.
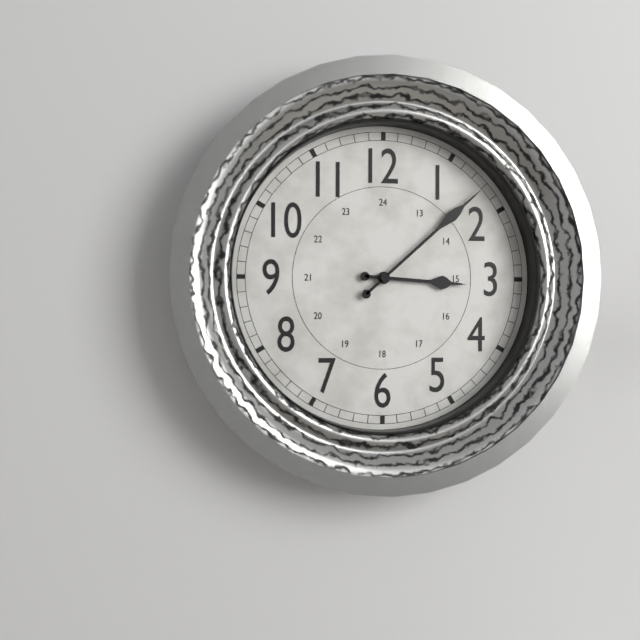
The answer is 3:08
